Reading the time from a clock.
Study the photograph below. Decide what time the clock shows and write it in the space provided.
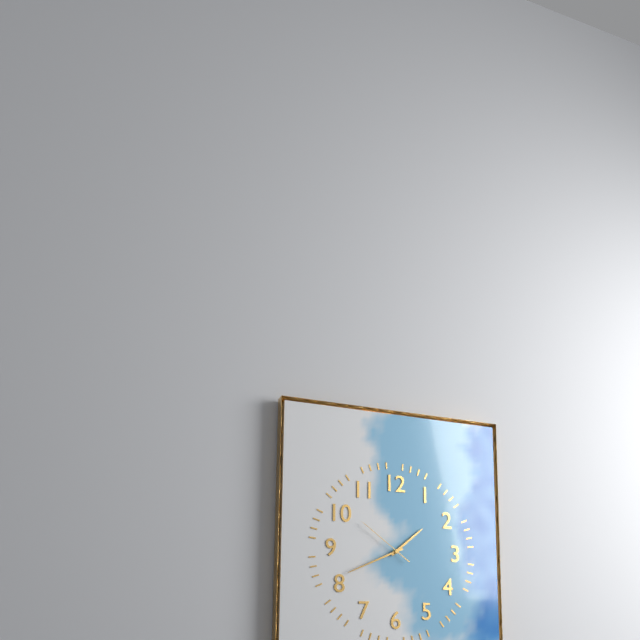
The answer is 1:41:51
